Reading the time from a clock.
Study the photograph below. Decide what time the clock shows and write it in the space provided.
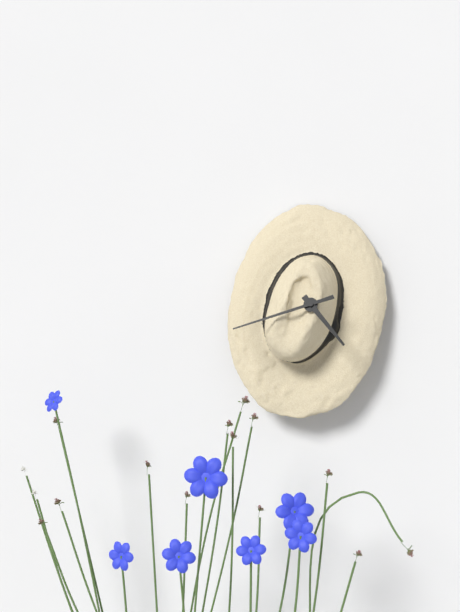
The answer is 4:42
